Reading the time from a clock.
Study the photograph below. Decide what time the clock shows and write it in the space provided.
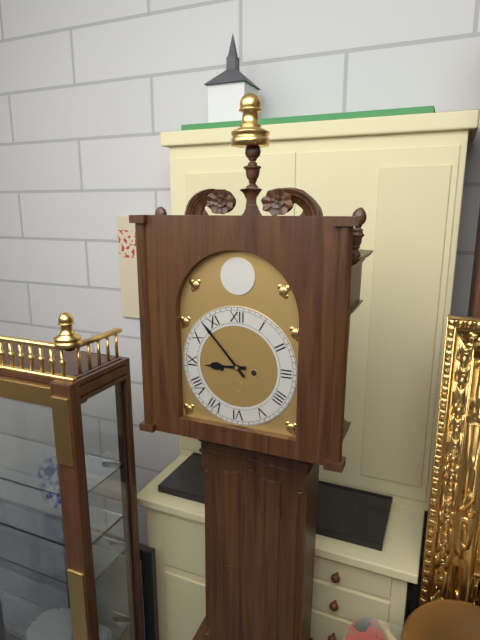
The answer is 8:53
